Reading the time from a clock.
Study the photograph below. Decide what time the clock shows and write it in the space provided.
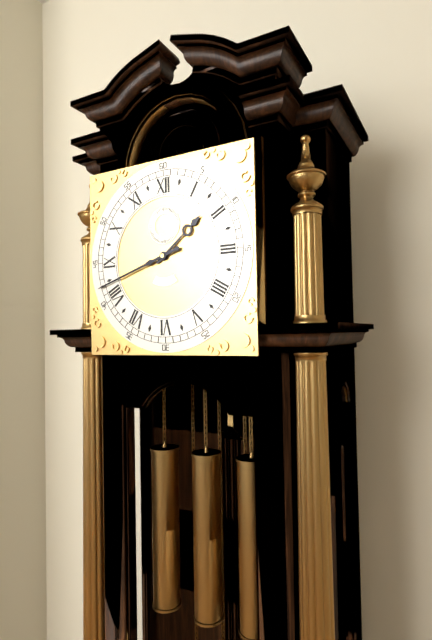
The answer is 1:42
